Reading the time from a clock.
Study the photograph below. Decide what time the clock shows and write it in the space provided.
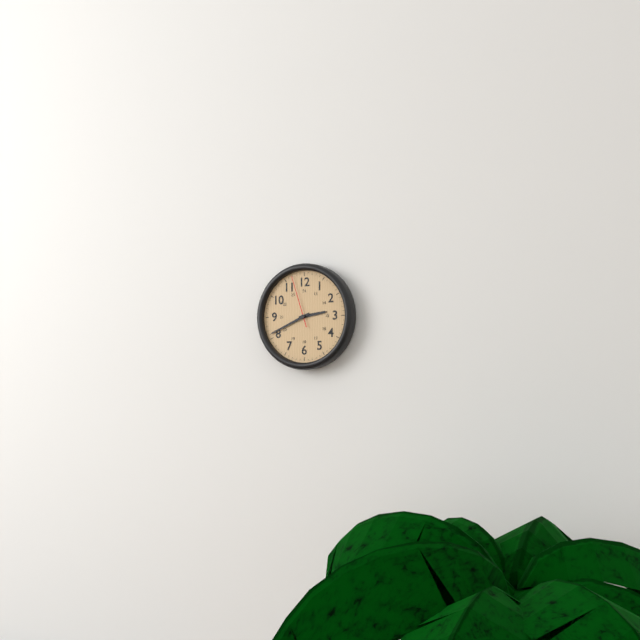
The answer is 2:41:57
